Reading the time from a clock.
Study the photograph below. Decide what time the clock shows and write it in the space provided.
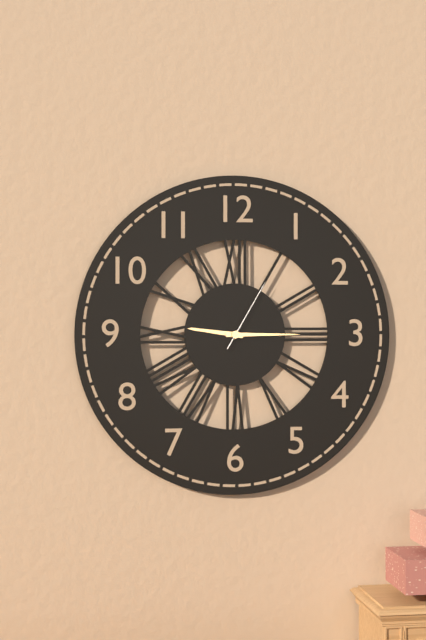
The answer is 9:15:05
